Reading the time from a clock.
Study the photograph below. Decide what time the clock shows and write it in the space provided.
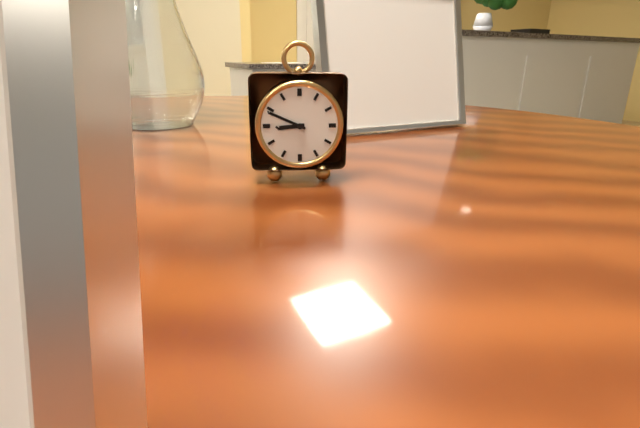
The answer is 8:49
